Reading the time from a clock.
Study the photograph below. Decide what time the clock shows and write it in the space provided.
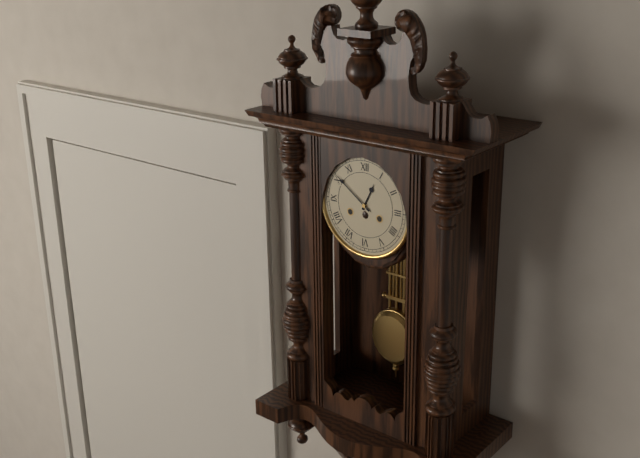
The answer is 12:51
